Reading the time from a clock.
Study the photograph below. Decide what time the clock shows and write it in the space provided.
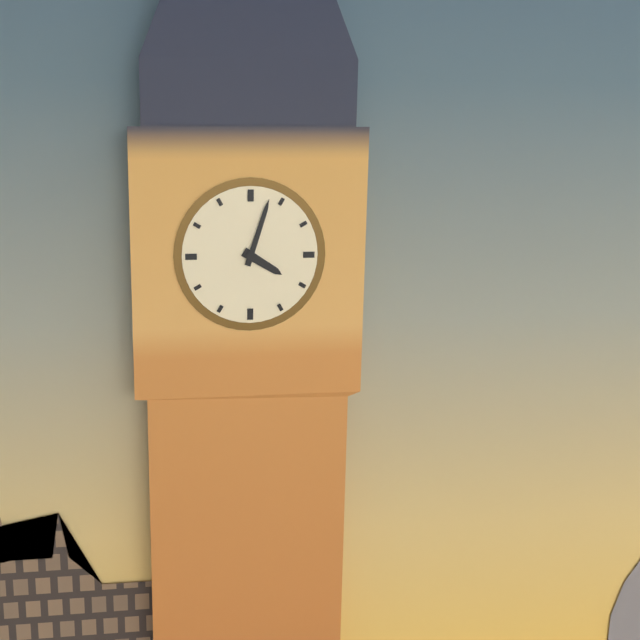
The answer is 4:03
